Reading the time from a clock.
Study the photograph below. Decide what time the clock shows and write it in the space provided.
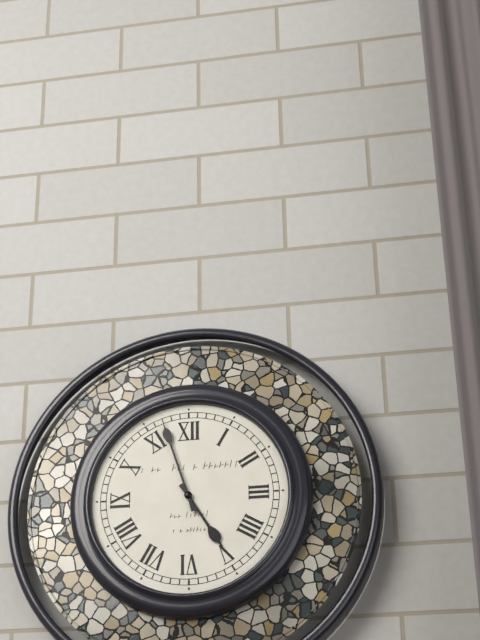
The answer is 4:57
